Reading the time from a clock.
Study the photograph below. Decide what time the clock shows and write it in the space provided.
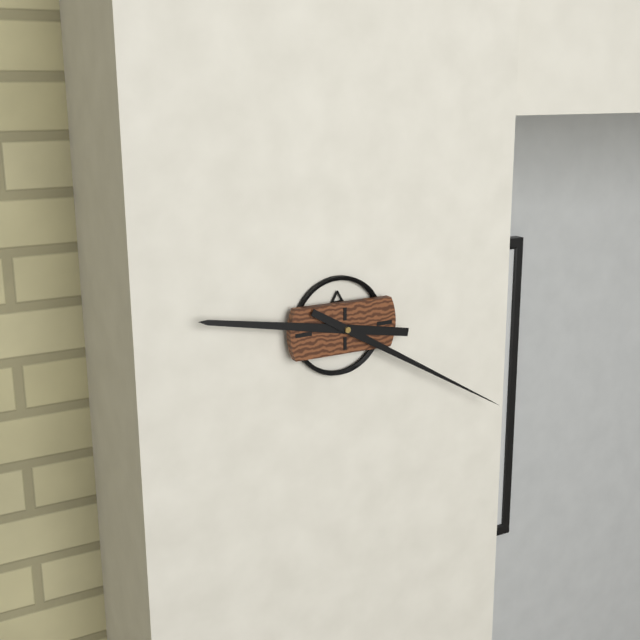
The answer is 9:20
